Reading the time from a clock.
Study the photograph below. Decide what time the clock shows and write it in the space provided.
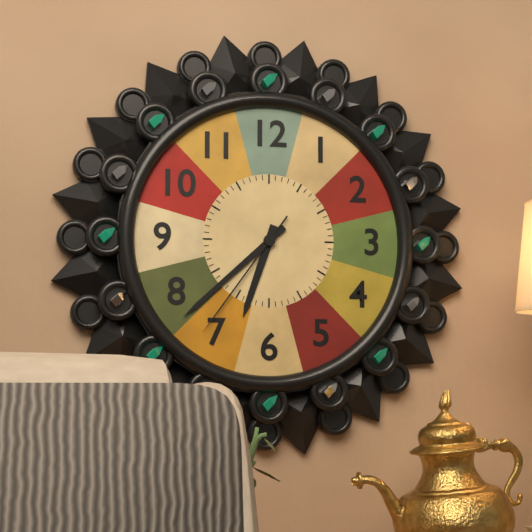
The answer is 6:38:36
